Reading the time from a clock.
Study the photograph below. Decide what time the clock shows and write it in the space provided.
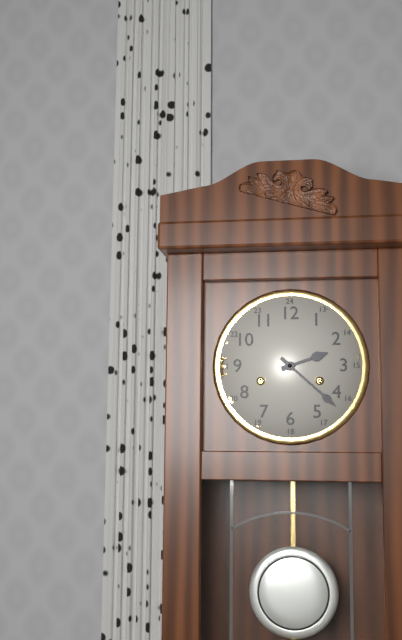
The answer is 2:22
